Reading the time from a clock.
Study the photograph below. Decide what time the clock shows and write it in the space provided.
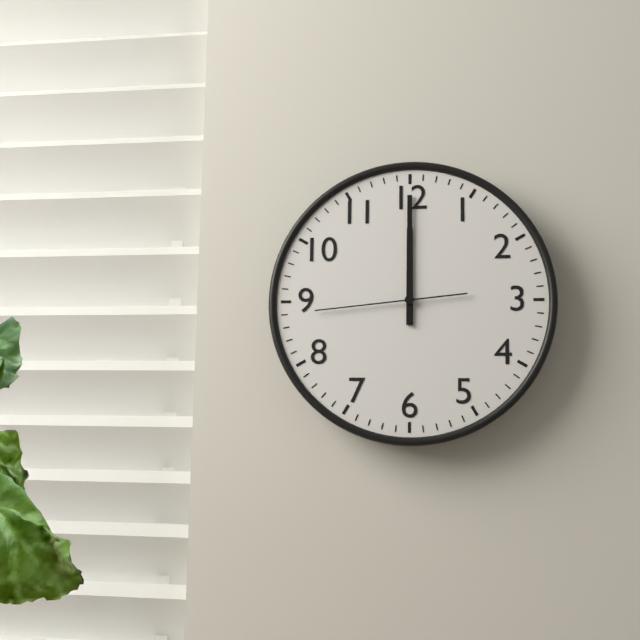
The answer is 12:00:44
